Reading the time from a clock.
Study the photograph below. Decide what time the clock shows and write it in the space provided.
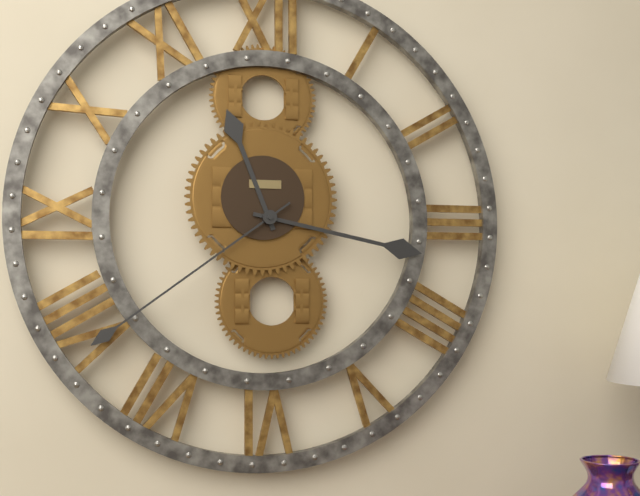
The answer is 11:17:39
